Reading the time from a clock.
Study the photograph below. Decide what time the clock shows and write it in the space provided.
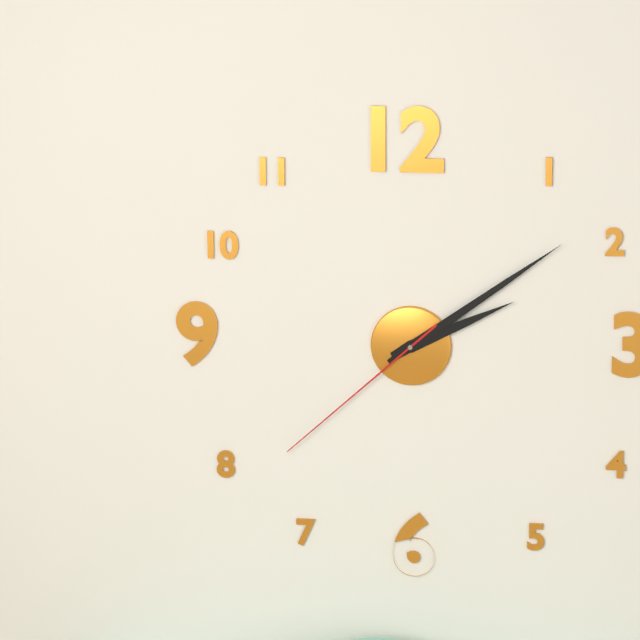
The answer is 2:09:38
